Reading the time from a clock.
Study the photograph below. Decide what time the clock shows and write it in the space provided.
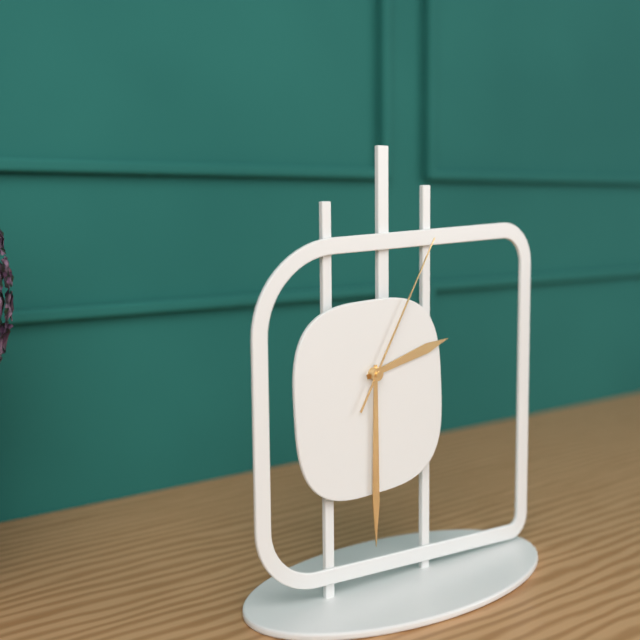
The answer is 2:30:05
